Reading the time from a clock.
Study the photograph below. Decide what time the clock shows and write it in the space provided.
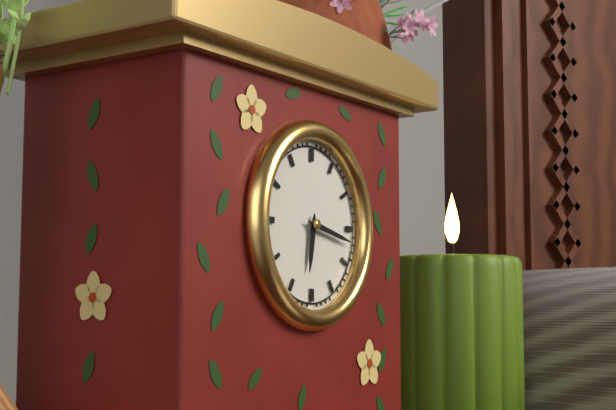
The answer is 6:17
